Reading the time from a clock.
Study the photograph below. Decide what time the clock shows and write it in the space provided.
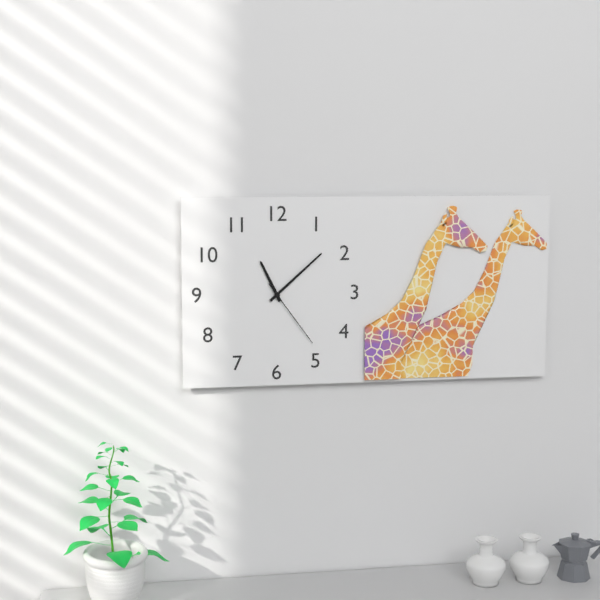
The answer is 11:08:24
